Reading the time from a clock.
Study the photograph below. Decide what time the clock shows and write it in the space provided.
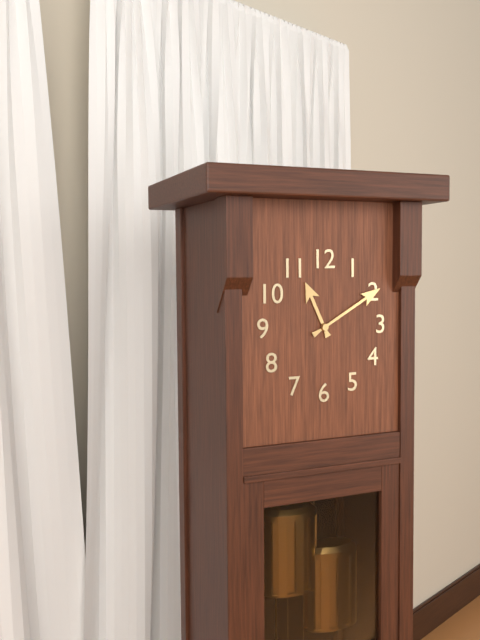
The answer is 11:10
